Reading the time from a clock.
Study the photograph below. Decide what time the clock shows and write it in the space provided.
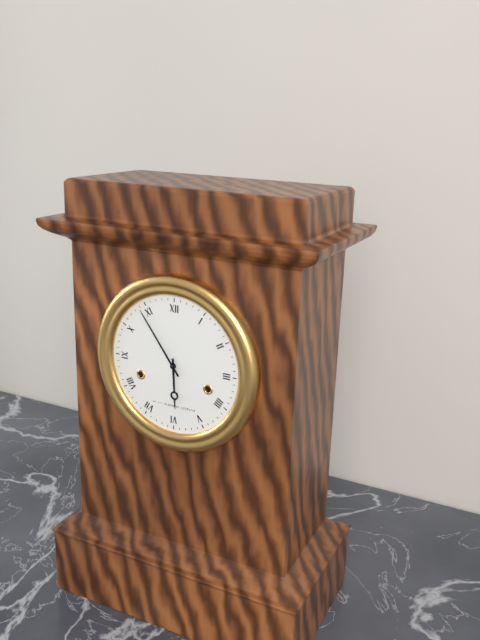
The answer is 5:54
